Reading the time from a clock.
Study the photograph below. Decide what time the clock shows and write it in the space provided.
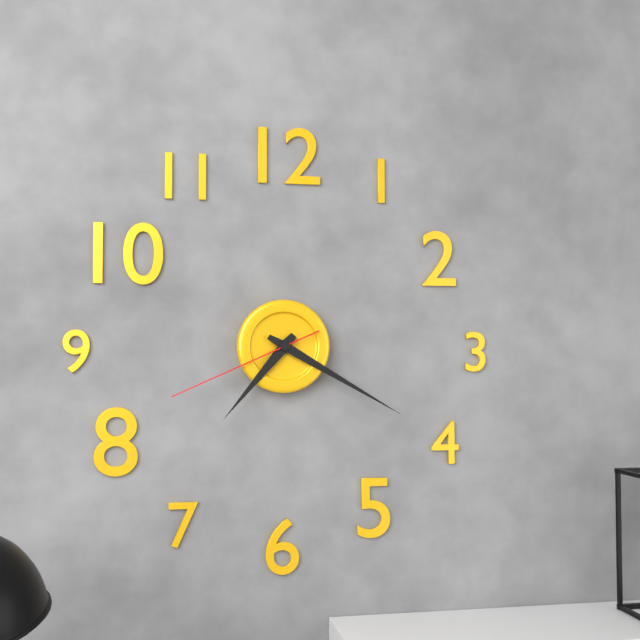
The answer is 7:20:41
